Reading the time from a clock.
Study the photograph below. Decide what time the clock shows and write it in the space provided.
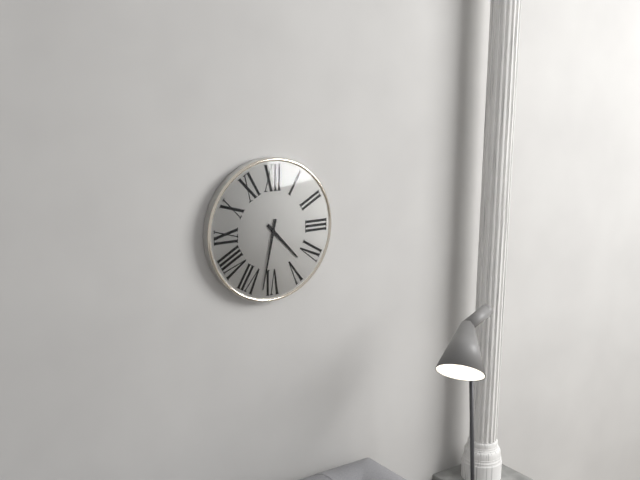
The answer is 4:32
